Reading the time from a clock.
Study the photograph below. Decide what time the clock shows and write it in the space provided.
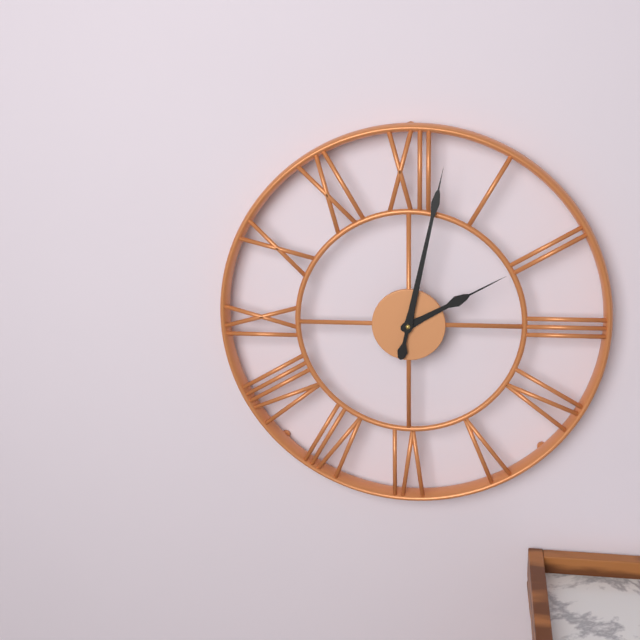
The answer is 2:02
